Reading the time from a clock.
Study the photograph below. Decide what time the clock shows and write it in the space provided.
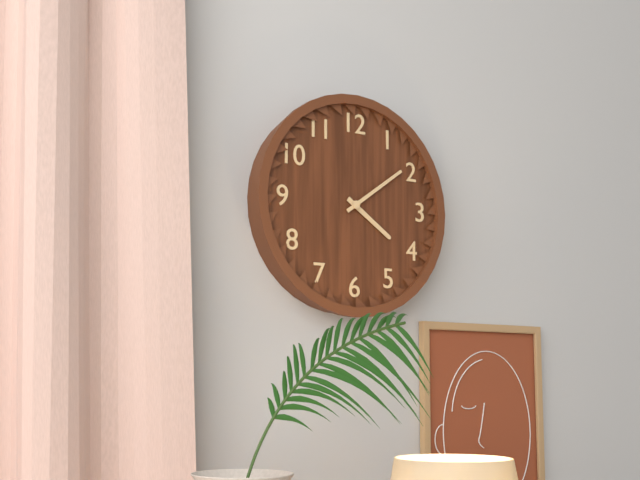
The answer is 4:09
